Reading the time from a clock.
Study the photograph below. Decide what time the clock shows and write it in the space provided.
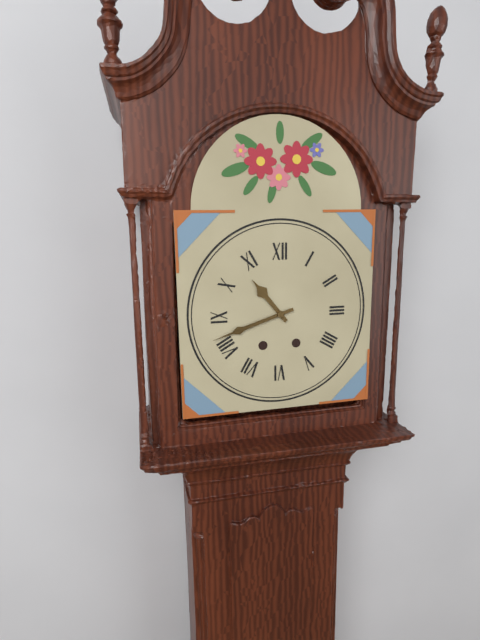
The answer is 10:42
